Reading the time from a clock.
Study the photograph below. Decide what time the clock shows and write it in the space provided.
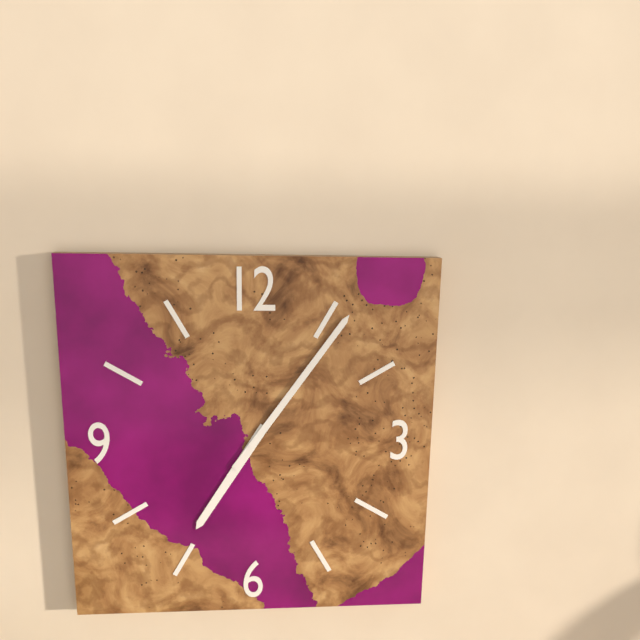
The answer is 7:06
